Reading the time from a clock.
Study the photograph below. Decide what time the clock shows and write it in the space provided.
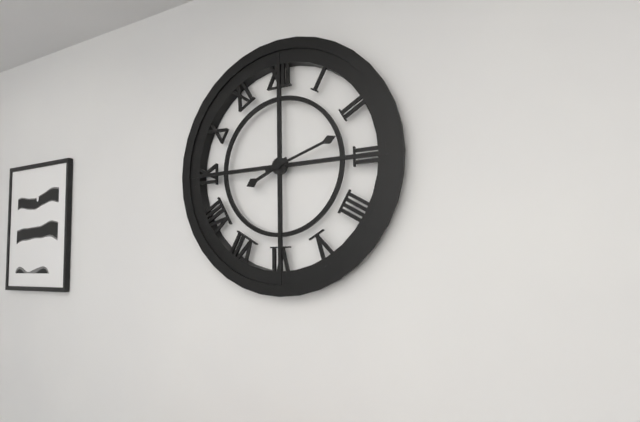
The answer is 8:12
